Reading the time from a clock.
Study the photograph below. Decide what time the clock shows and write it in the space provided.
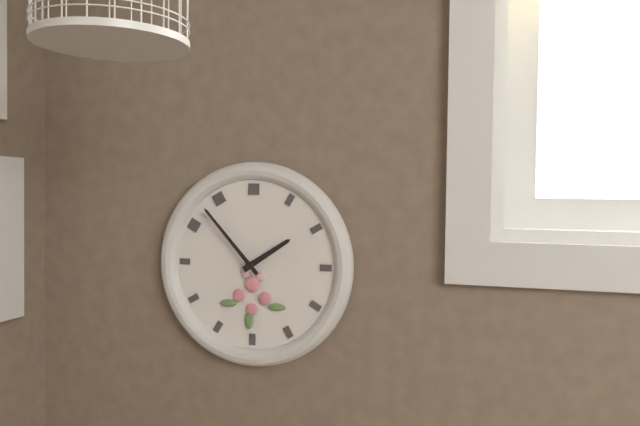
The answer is 1:53
